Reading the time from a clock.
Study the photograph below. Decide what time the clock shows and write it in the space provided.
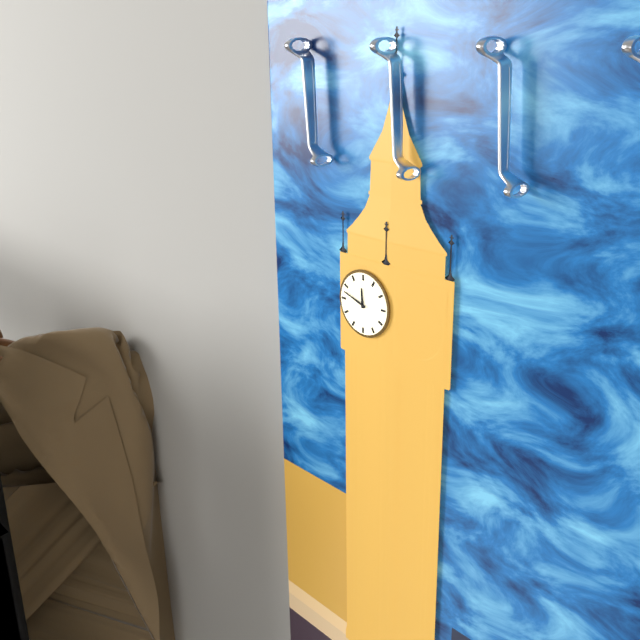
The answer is 11:48
